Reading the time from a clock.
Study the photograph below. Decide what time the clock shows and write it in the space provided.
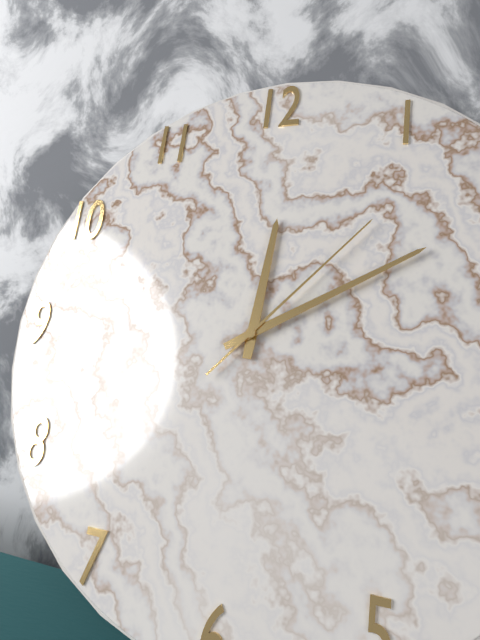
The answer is 12:10:07
